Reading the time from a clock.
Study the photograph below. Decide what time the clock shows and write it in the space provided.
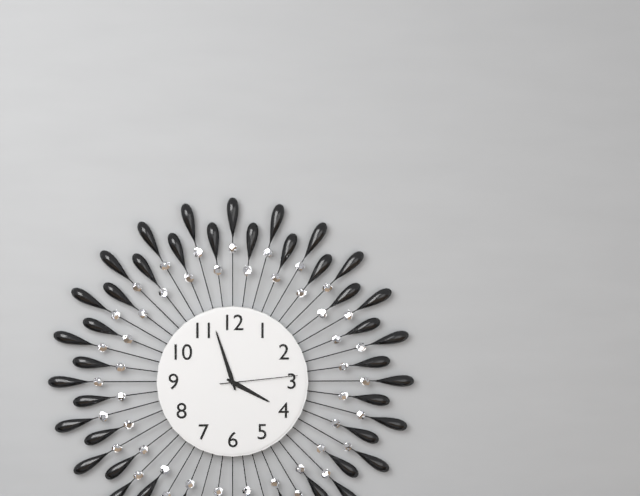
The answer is 3:57:14
